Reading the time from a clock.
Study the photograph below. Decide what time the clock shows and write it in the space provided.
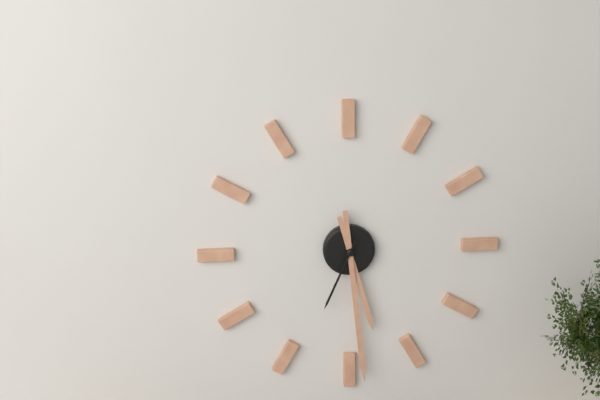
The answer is 5:29:34
